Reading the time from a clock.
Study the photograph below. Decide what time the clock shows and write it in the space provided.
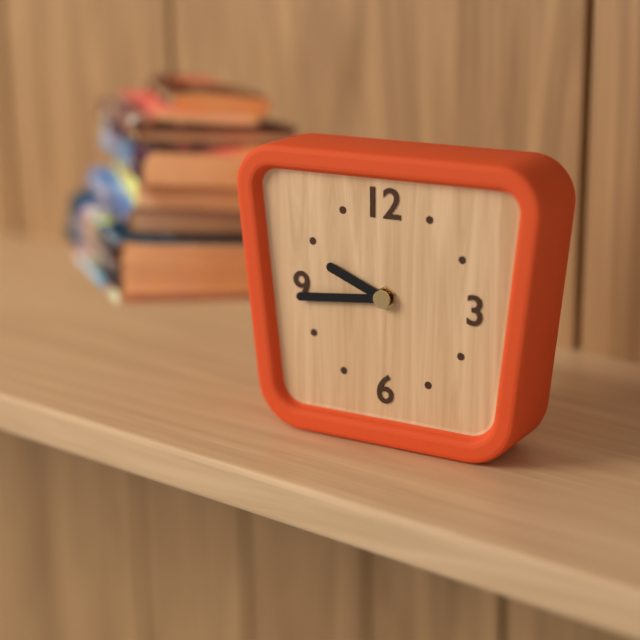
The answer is 9:44
